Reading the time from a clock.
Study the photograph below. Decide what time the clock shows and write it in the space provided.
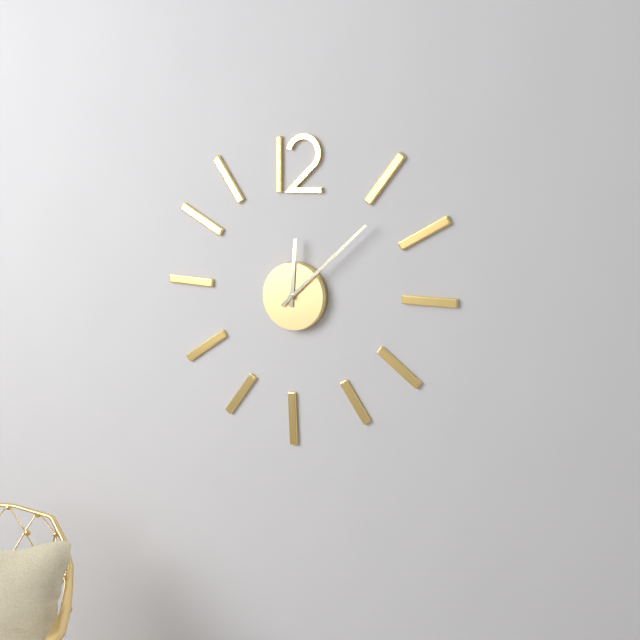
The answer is 12:08
